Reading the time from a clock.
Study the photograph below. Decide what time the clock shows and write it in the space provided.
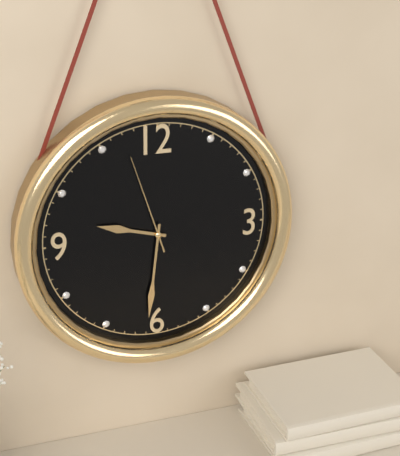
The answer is 9:31:57
